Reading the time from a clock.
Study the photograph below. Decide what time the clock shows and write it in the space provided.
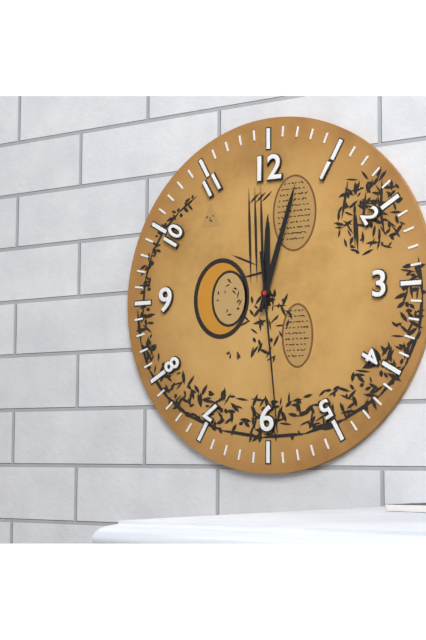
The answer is 12:03:29
